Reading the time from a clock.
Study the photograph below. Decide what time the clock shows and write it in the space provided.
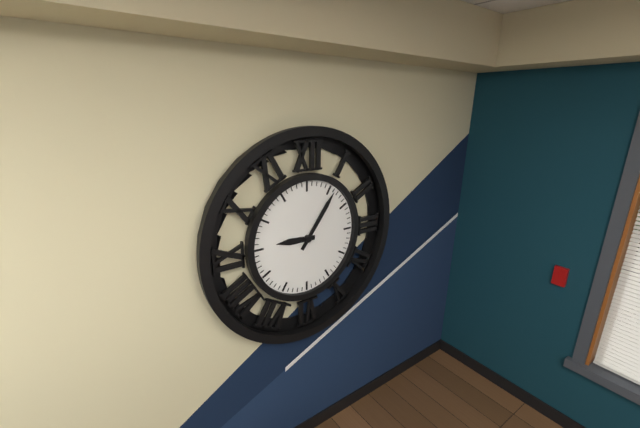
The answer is 9:06
